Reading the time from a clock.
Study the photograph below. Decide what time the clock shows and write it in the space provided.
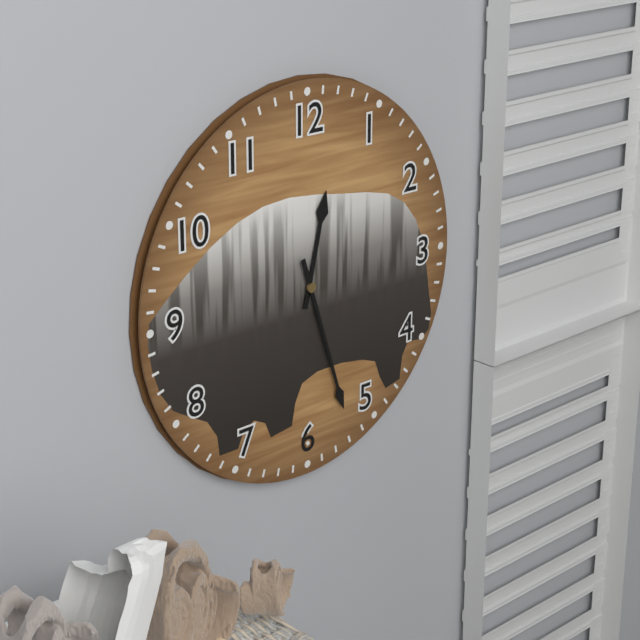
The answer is 12:27
